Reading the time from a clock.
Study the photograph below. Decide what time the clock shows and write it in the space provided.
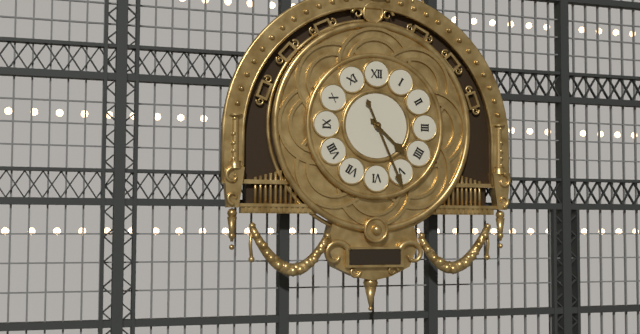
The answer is 4:26
